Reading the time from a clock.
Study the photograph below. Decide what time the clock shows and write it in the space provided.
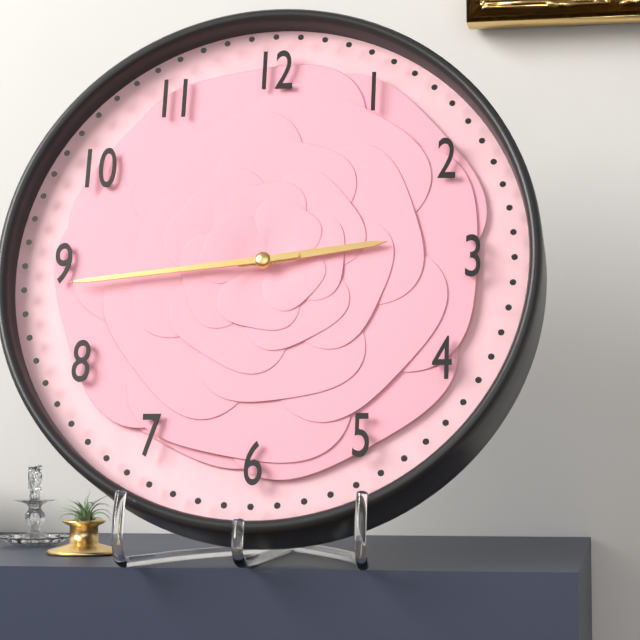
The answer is 2:44
